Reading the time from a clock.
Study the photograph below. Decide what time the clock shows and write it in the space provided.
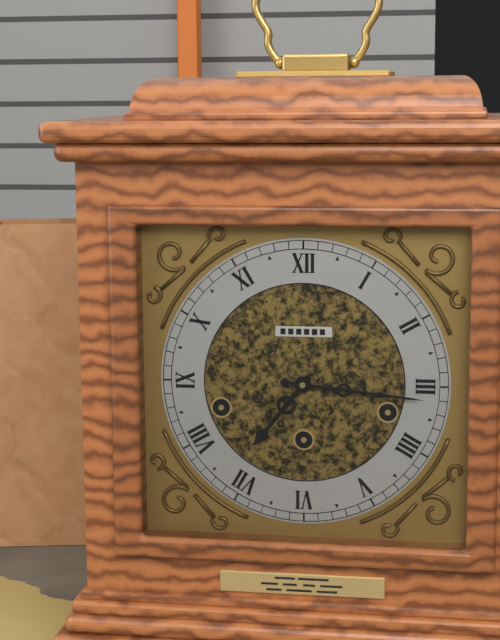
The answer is 7:16
